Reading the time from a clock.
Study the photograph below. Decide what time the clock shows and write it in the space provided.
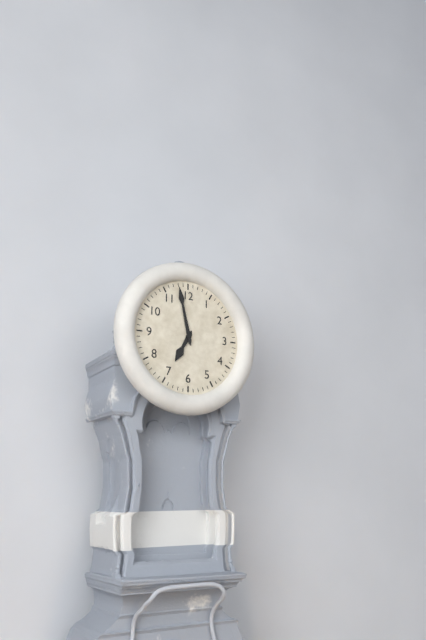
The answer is 6:58
